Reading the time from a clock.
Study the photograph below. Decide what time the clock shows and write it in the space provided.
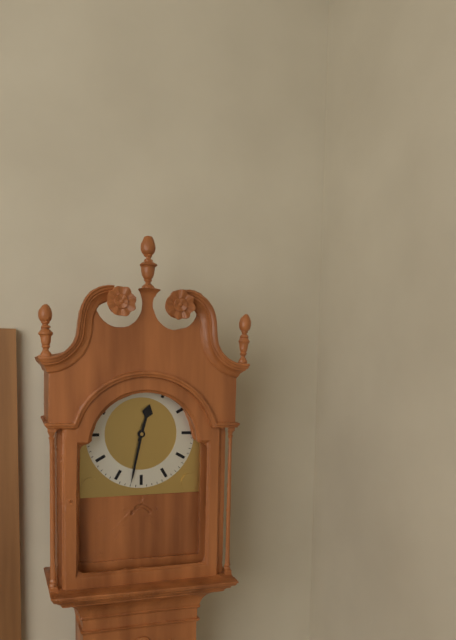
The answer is 12:32
